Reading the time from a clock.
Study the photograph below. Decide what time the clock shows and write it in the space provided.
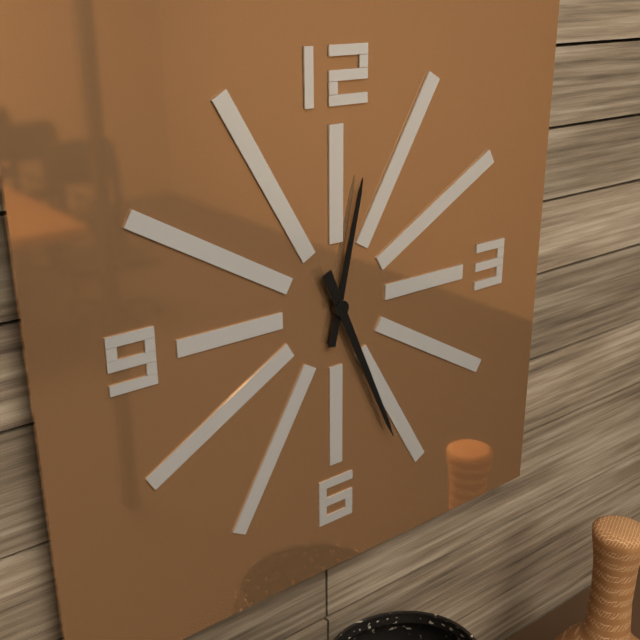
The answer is 12:26
